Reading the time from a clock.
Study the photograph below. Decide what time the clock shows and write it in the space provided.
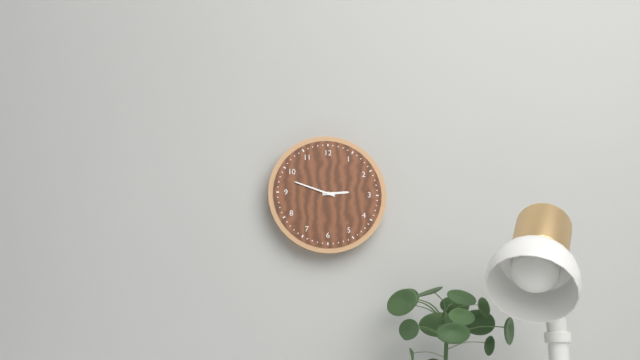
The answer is 2:48
